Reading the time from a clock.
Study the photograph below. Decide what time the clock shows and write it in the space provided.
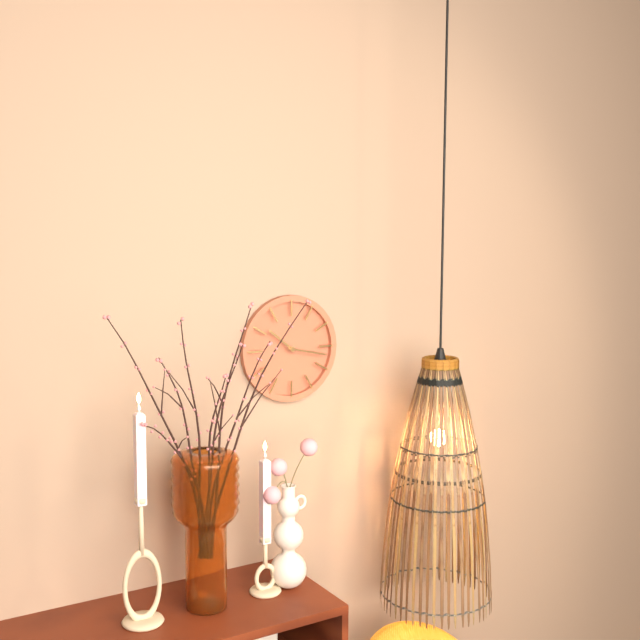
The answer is 10:17
